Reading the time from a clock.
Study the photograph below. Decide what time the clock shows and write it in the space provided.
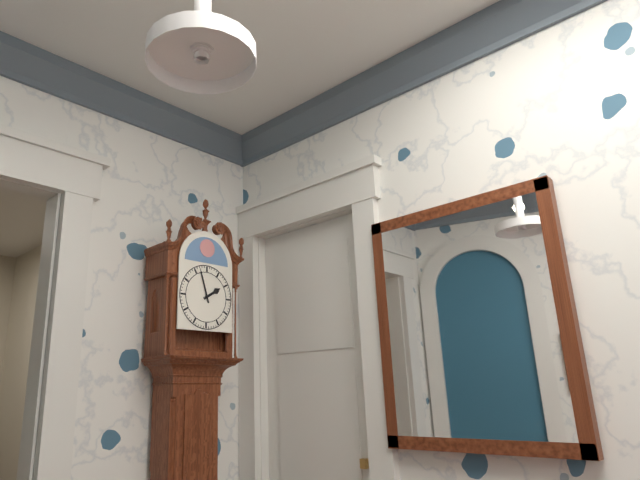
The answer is 1:57
